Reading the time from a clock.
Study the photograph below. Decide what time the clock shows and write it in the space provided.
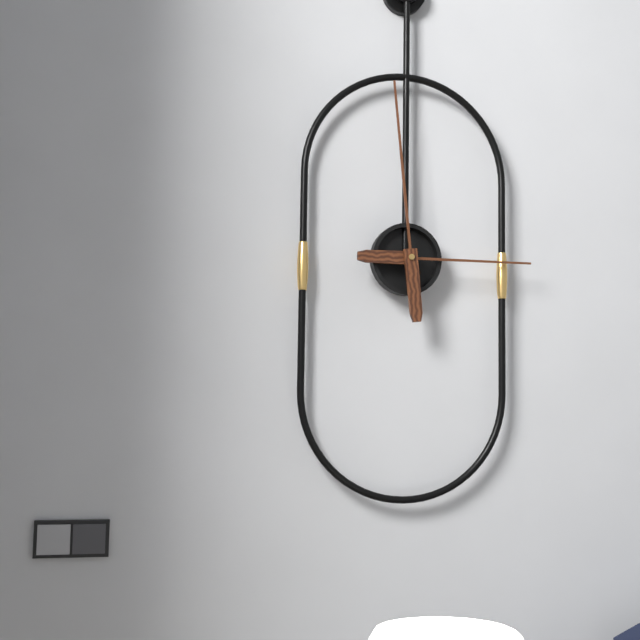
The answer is 2:59
